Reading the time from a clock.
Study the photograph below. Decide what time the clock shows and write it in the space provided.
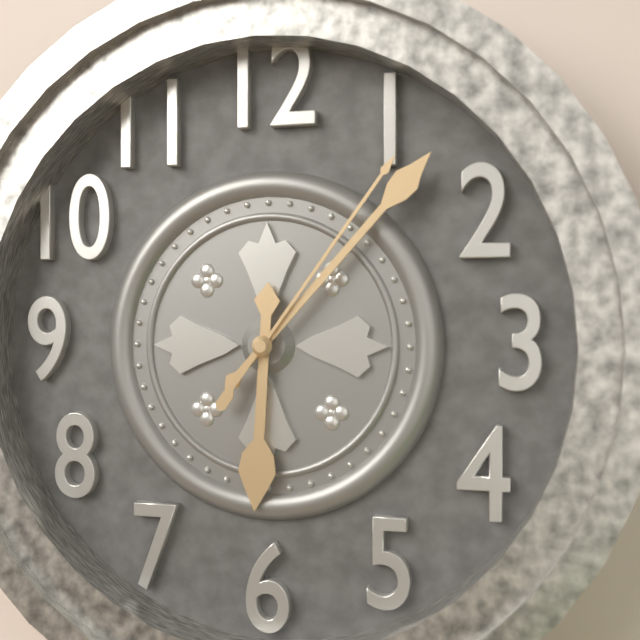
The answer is 6:07:06
